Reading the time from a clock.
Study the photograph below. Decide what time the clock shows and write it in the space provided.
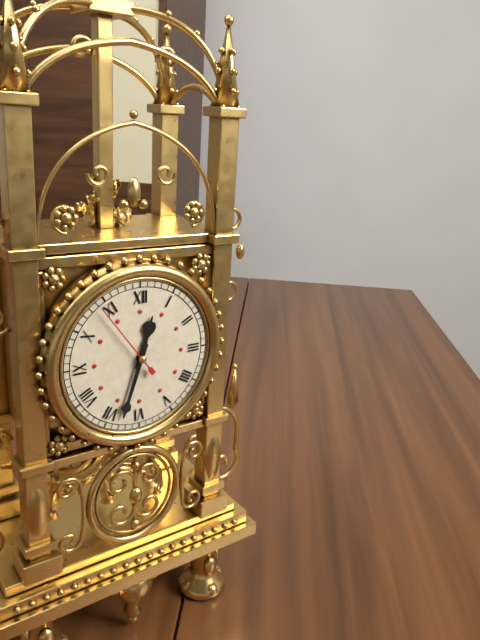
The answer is 12:33:54
